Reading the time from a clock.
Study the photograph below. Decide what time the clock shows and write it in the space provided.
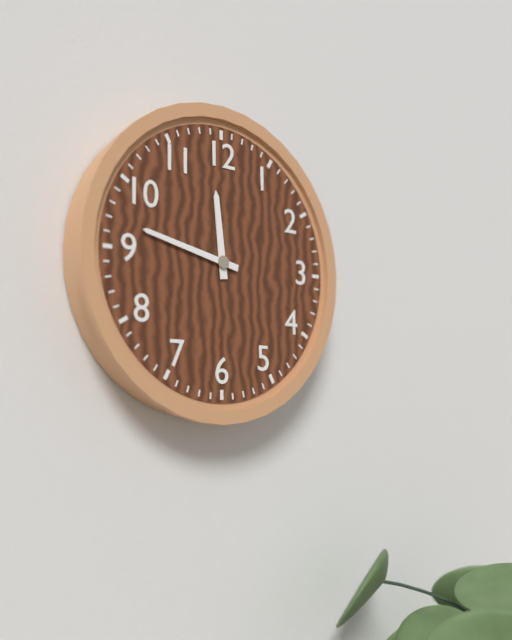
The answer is 11:47
